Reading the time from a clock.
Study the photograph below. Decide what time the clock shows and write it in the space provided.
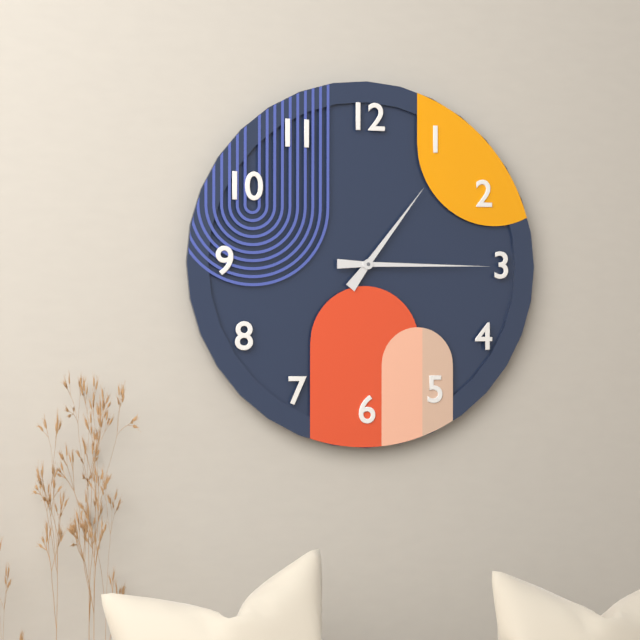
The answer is 1:15
